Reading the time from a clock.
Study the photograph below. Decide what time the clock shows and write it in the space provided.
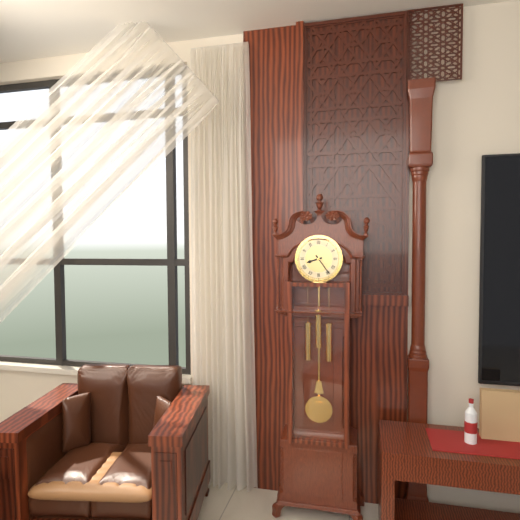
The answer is 8:24
